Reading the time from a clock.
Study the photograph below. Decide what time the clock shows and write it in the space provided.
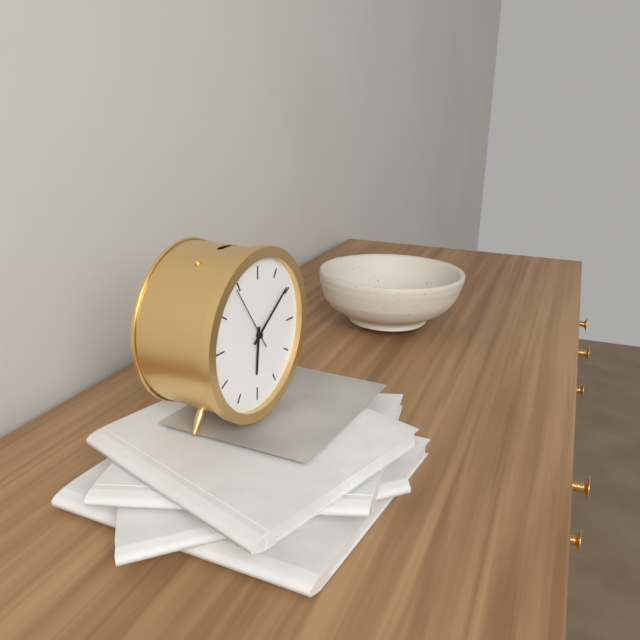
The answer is 6:09:54
